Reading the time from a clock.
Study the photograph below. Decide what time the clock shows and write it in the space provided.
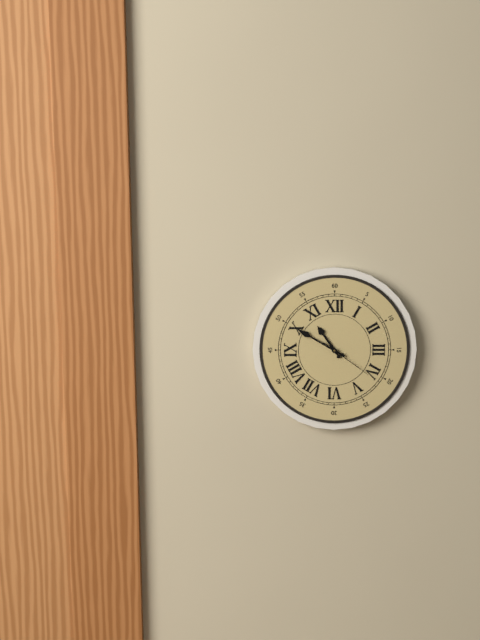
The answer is 10:50:21
